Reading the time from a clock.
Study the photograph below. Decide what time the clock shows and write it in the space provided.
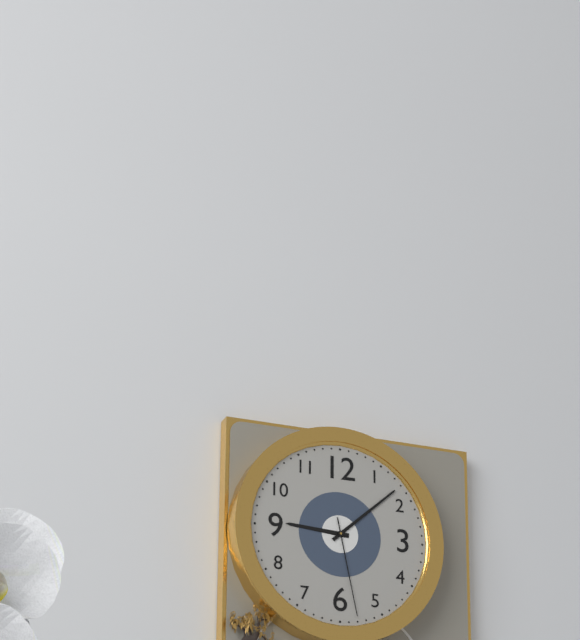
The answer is 9:08:28
